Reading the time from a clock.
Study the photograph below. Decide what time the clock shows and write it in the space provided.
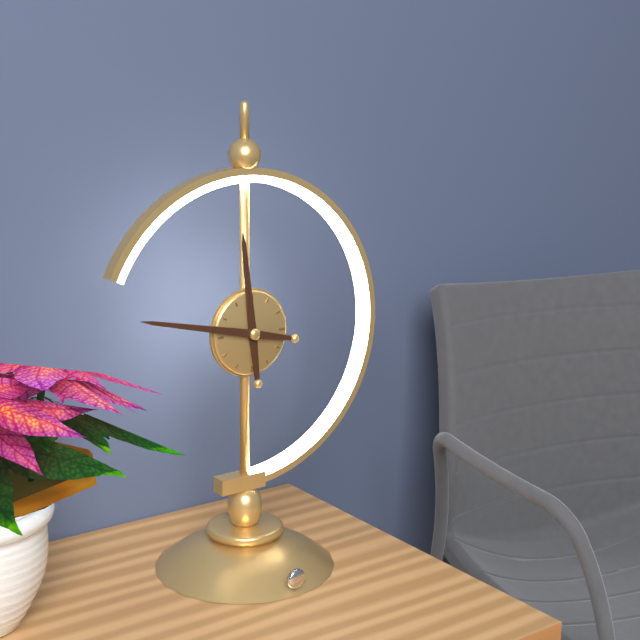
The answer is 11:47
